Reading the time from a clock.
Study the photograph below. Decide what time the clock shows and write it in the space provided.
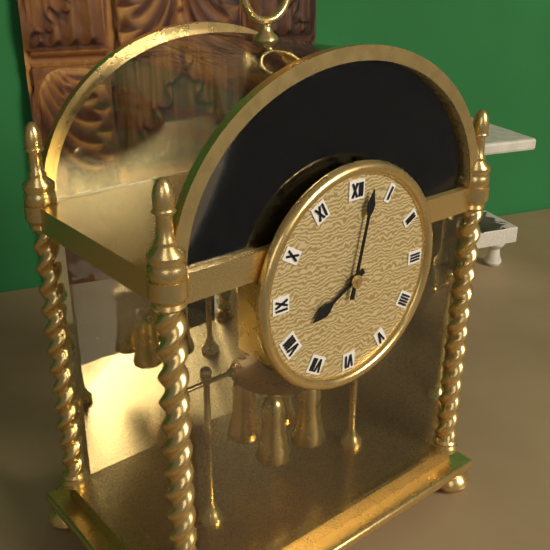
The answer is 8:02
